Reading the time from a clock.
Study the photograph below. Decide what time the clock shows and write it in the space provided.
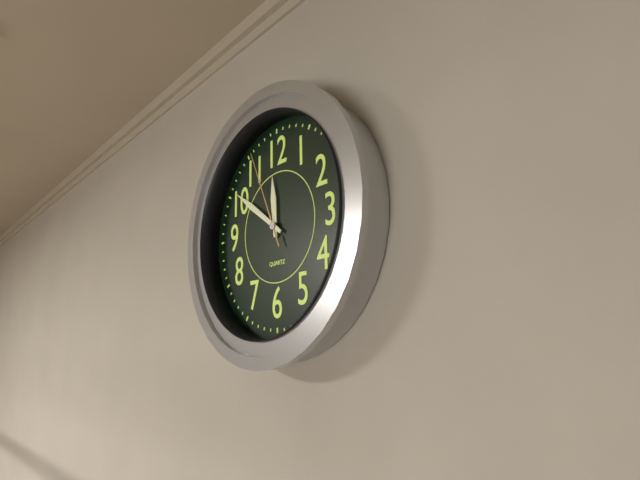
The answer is 11:51:56
